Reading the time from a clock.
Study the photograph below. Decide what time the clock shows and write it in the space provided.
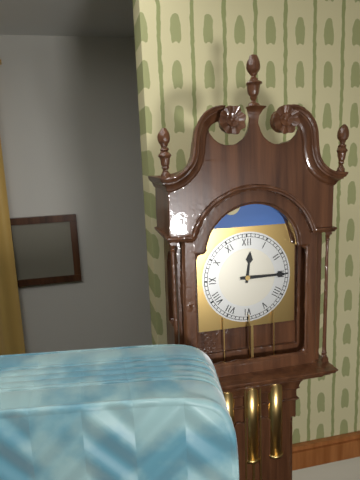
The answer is 12:15
